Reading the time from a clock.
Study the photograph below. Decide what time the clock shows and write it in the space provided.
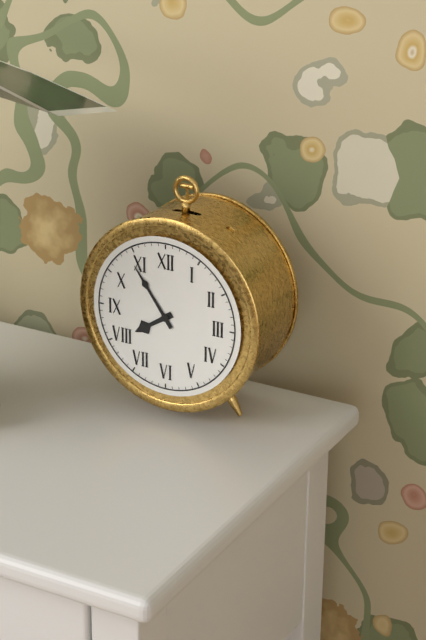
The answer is 7:54
